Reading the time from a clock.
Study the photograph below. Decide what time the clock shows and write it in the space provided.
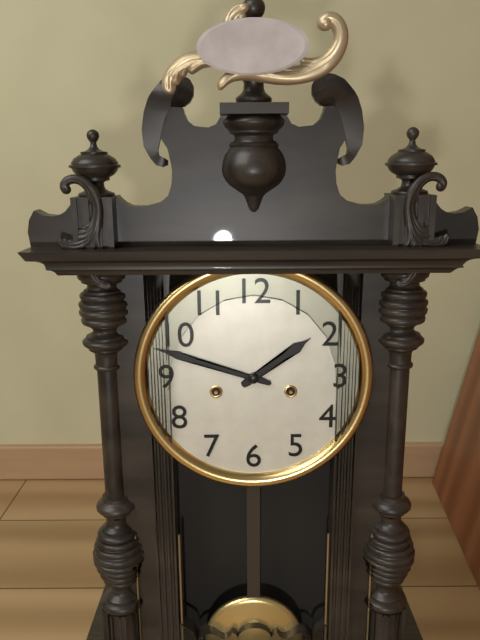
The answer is 1:48
